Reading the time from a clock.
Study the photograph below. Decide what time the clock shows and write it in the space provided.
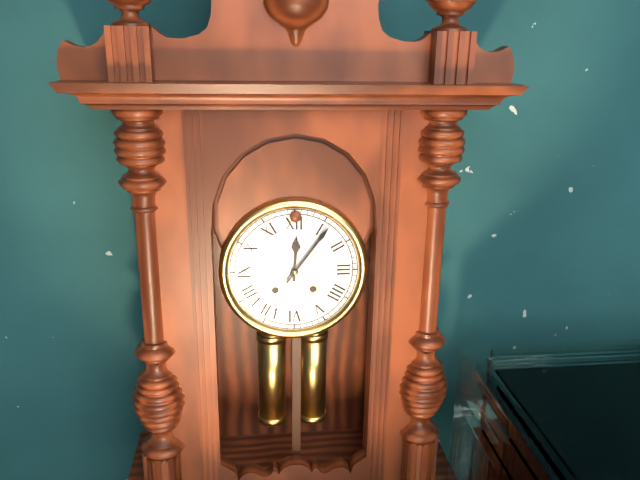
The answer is 12:06
